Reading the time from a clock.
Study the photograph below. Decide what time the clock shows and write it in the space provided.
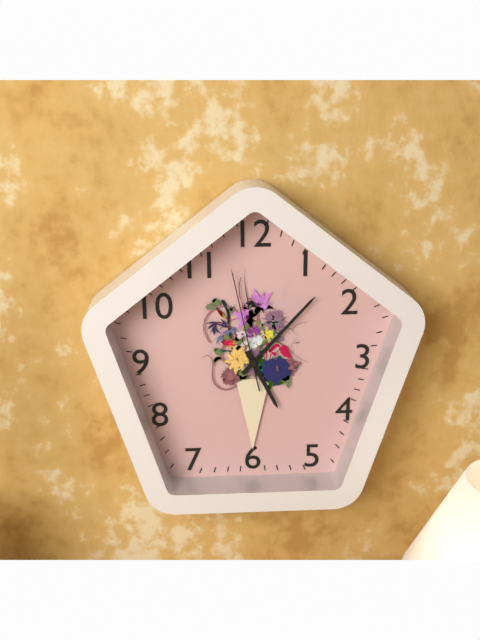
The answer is 5:07:58
